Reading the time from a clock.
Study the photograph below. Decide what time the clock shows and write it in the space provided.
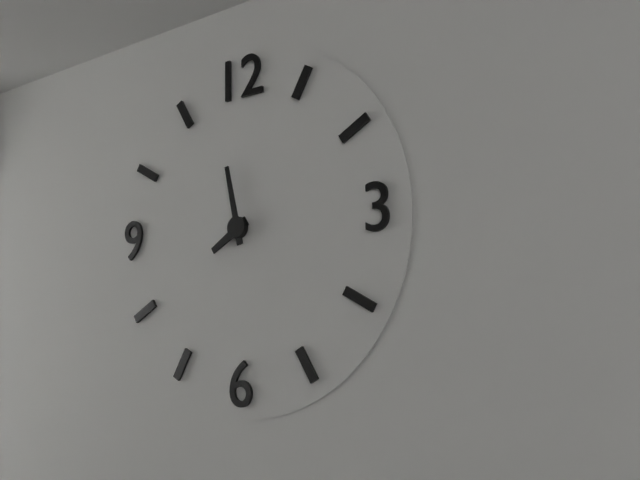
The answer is 7:58
